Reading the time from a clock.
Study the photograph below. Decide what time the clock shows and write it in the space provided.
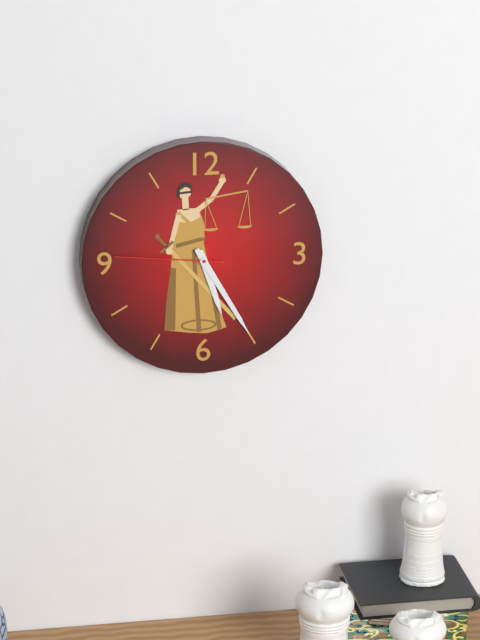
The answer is 5:25:46
